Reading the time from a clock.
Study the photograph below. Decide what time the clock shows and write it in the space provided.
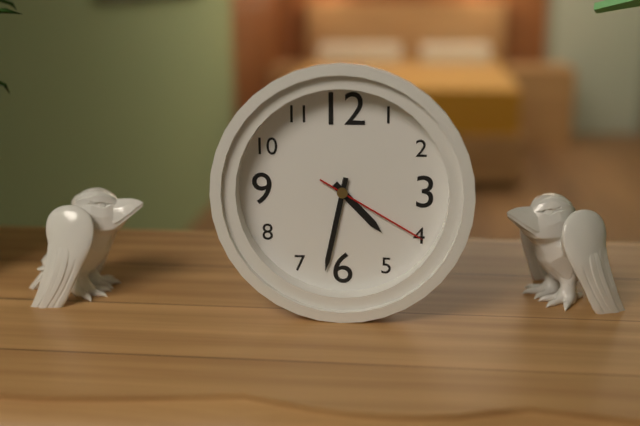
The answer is 4:32:20
